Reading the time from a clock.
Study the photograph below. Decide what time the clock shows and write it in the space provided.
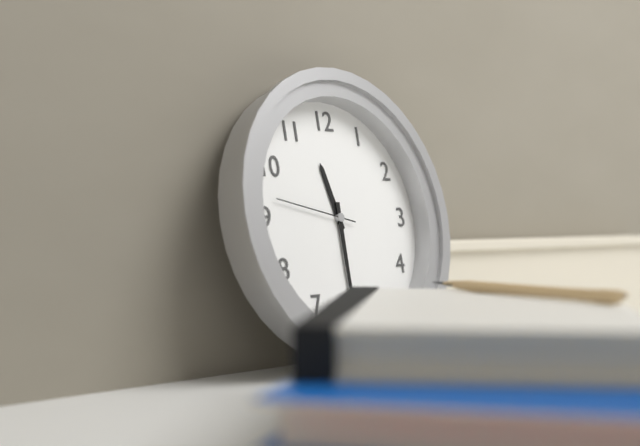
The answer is 11:30:47
